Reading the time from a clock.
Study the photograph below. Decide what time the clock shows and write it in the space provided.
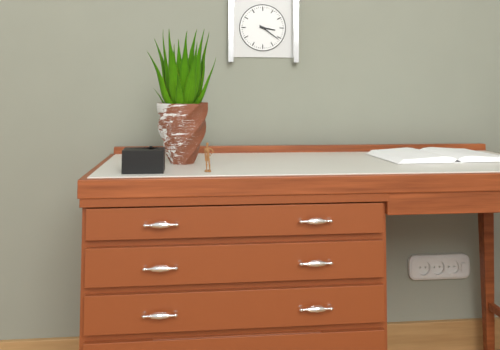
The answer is 3:21
